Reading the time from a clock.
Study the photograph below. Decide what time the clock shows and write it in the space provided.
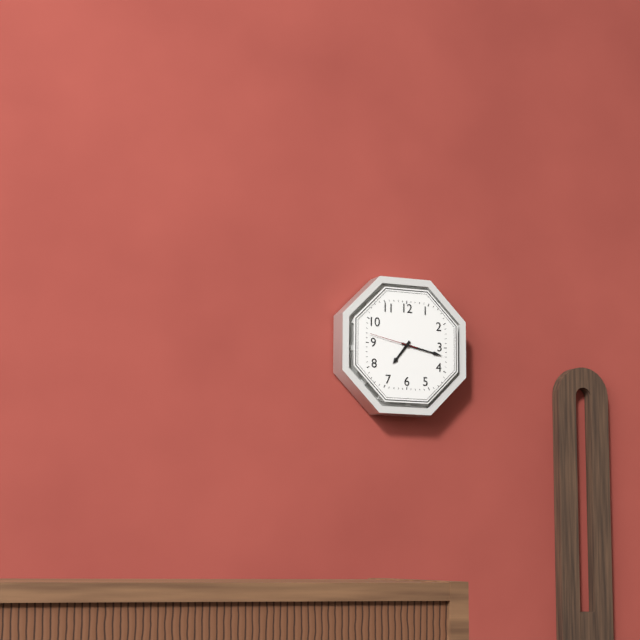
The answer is 7:17
